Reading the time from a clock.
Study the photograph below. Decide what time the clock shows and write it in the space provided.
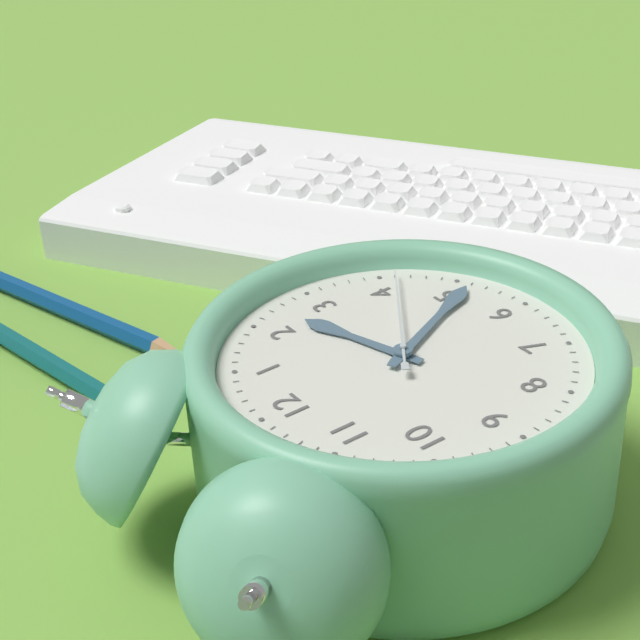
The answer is 2:26:21
